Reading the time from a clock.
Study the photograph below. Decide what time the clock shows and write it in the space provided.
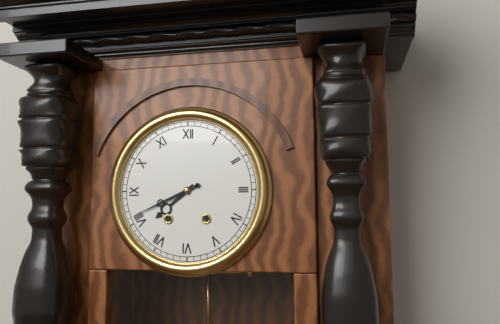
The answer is 7:41
